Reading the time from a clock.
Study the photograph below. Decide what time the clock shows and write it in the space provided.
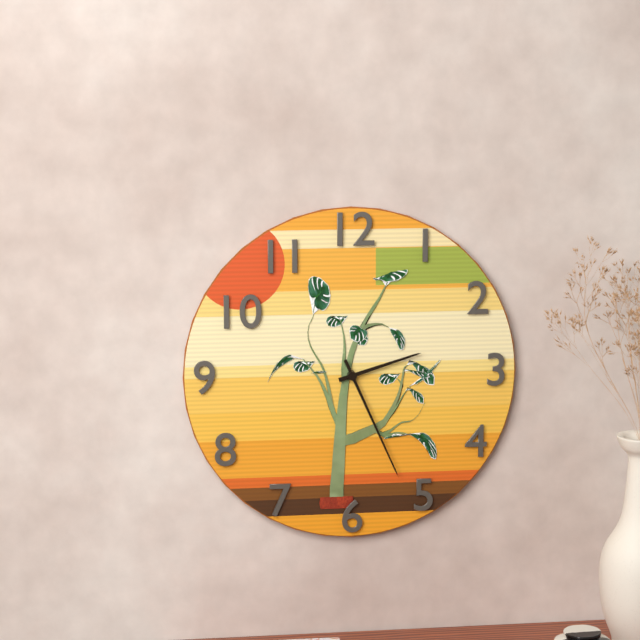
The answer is 2:26
